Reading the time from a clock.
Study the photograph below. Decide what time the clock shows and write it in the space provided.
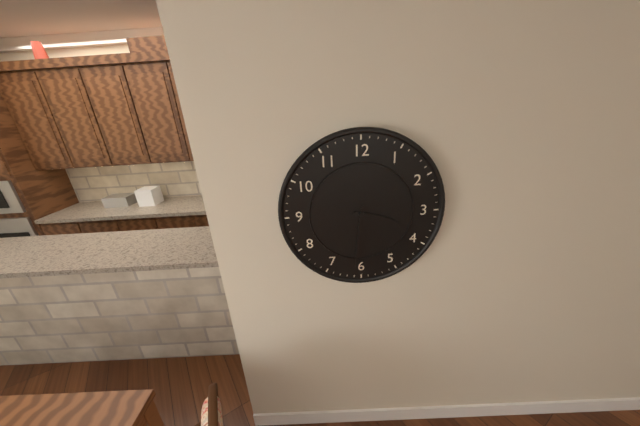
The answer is 3:31
